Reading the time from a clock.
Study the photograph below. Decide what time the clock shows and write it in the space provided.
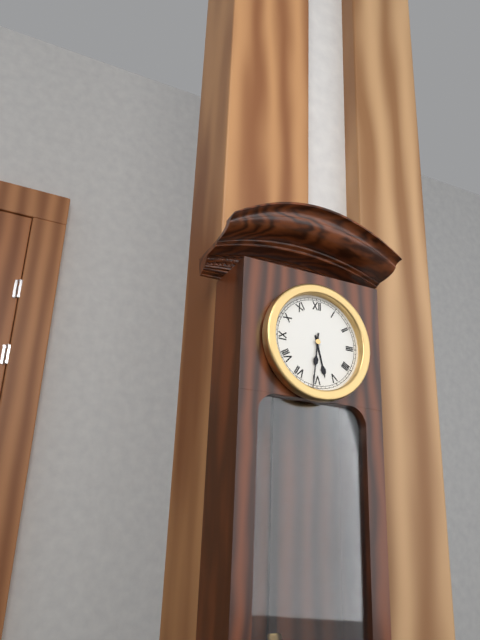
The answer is 5:31
